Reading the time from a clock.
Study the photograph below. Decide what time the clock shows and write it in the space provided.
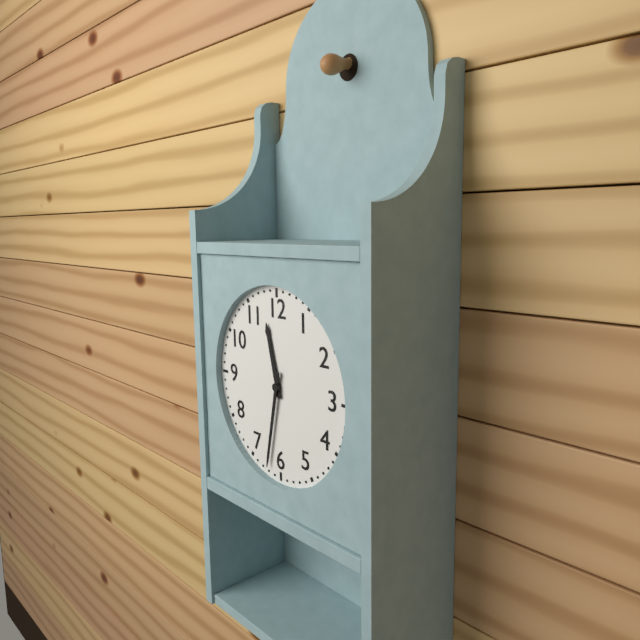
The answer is 11:32
